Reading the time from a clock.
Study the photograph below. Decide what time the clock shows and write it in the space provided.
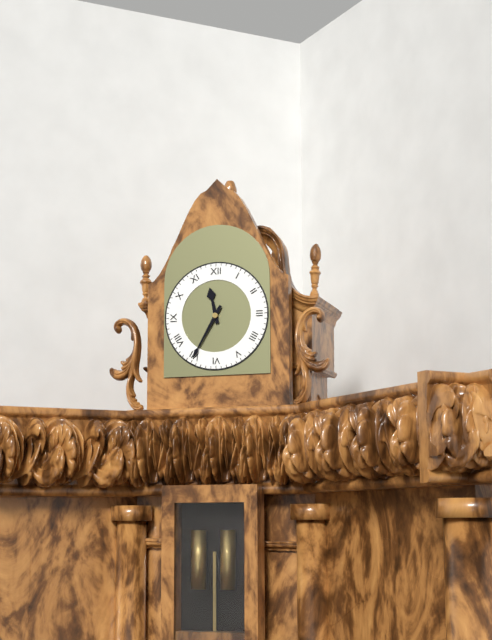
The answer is 11:35
